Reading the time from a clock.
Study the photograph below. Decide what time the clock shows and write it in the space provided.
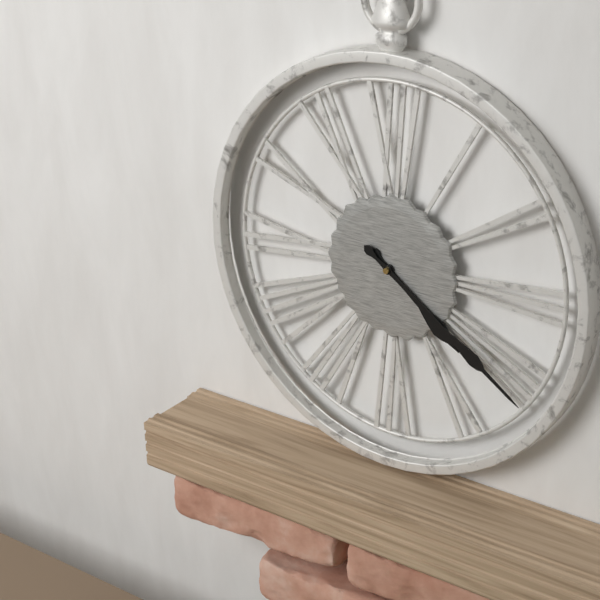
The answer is 4:21
